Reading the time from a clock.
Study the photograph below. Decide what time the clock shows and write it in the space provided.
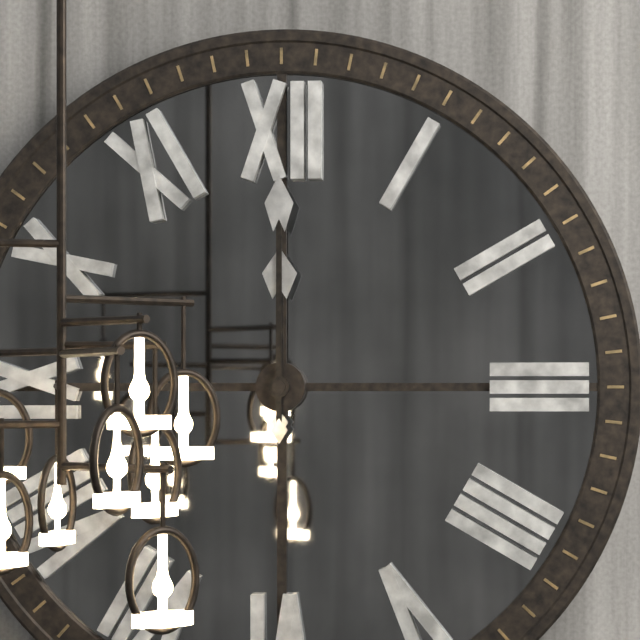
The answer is 12:00
